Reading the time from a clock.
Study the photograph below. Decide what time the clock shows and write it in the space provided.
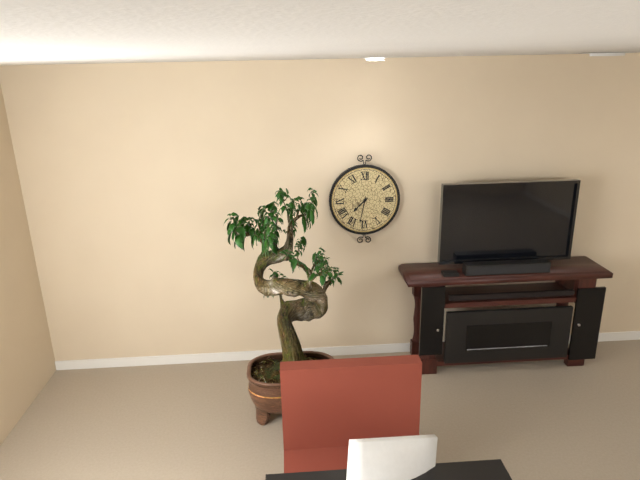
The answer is 7:32
